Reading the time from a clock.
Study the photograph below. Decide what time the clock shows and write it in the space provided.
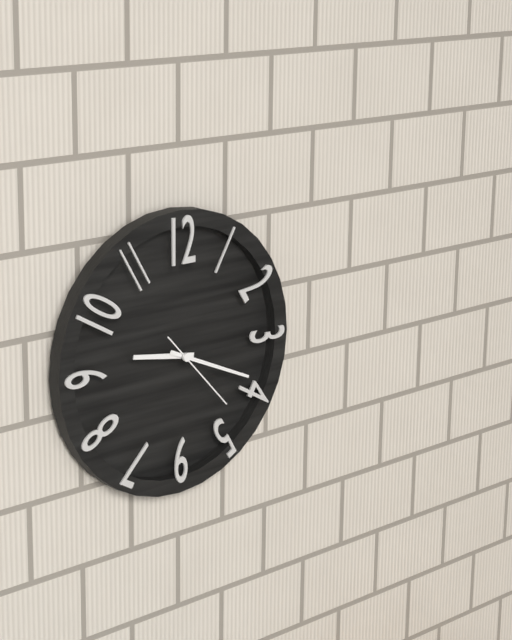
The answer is 9:19:23
